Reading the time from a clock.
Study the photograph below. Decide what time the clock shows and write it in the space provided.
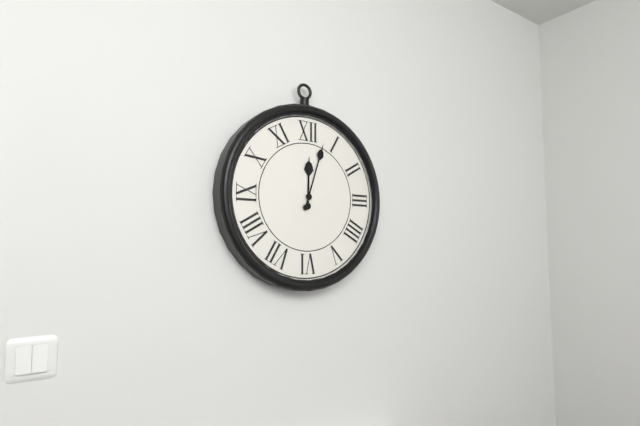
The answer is 12:03
